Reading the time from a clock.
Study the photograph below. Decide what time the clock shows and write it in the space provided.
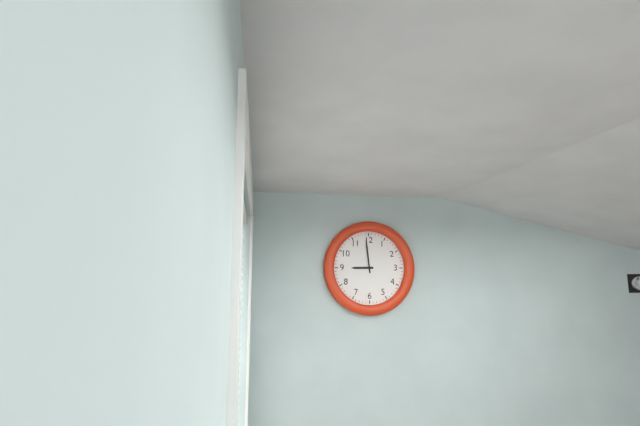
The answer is 8:59
